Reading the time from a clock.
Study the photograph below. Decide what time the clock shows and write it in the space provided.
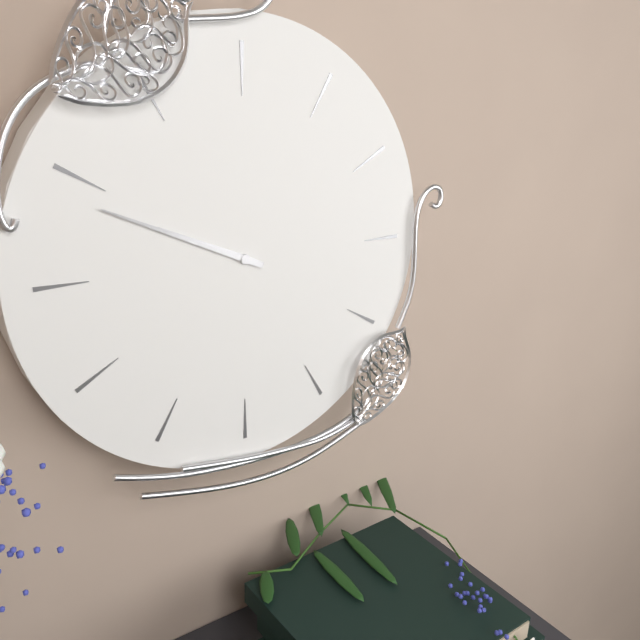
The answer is 9:49
